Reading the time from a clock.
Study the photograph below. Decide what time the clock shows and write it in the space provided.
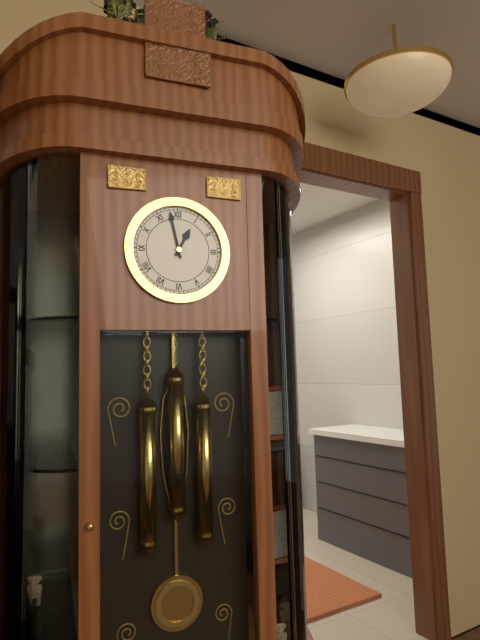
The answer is 12:58
